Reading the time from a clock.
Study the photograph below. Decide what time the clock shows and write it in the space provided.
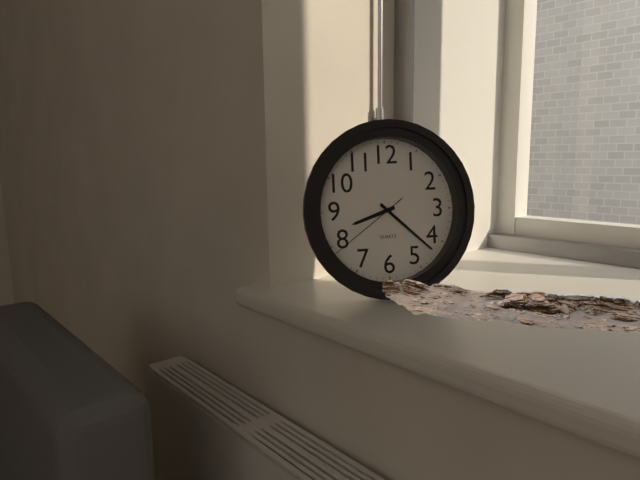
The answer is 8:22:39
